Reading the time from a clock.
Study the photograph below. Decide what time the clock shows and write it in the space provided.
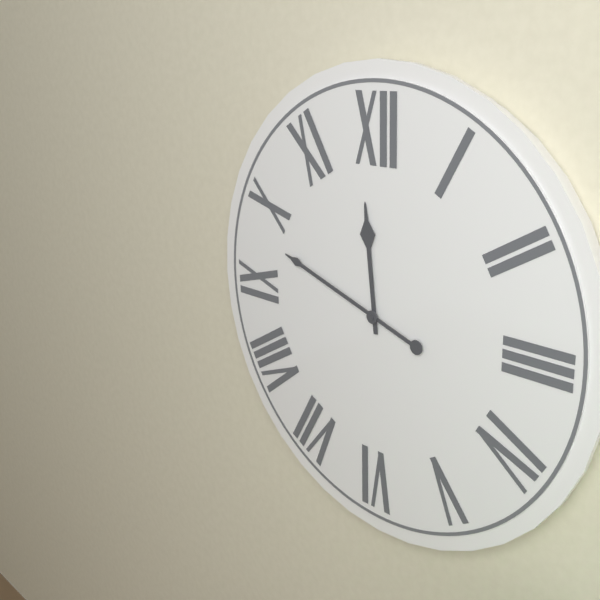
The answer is 11:48
